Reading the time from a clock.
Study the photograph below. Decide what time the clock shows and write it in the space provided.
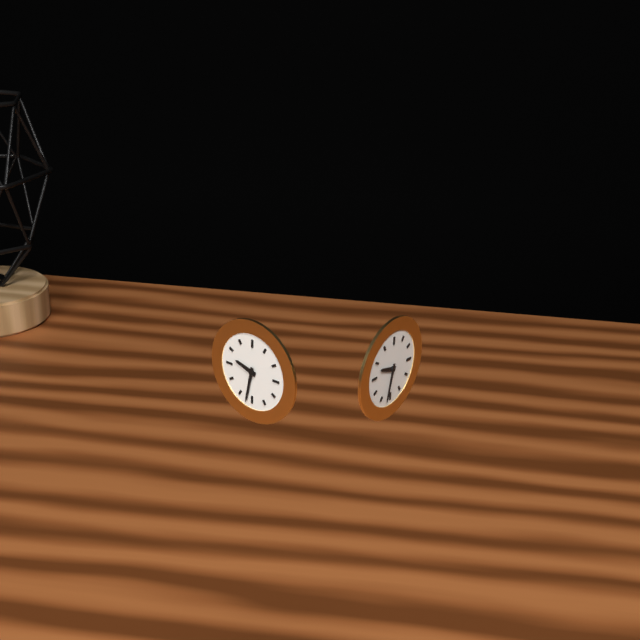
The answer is 9:32
